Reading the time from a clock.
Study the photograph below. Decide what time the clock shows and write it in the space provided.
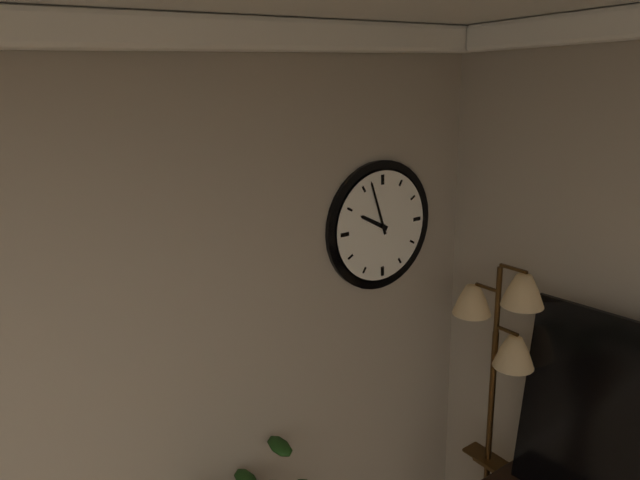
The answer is 9:57
